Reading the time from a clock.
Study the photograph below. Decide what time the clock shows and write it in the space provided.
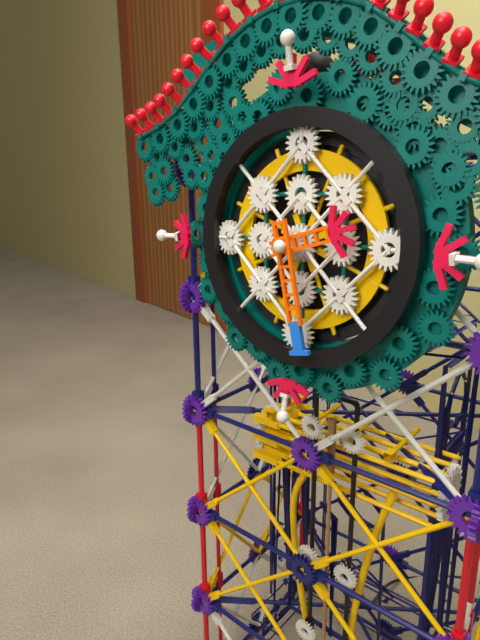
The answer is 2:28
